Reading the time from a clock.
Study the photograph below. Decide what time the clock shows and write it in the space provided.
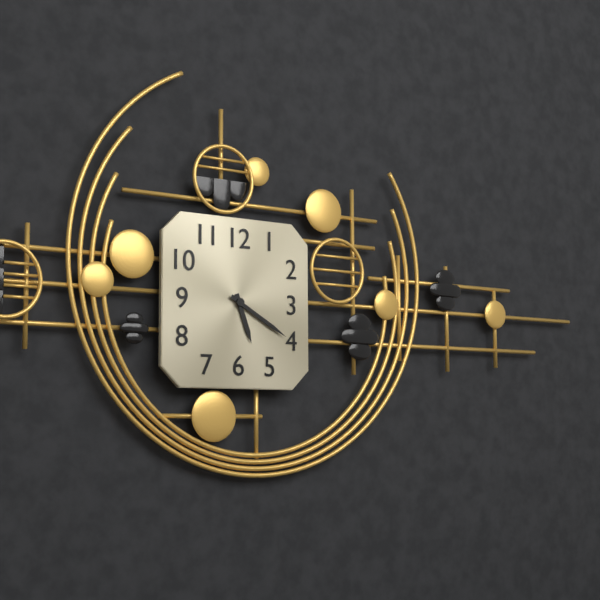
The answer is 5:20
